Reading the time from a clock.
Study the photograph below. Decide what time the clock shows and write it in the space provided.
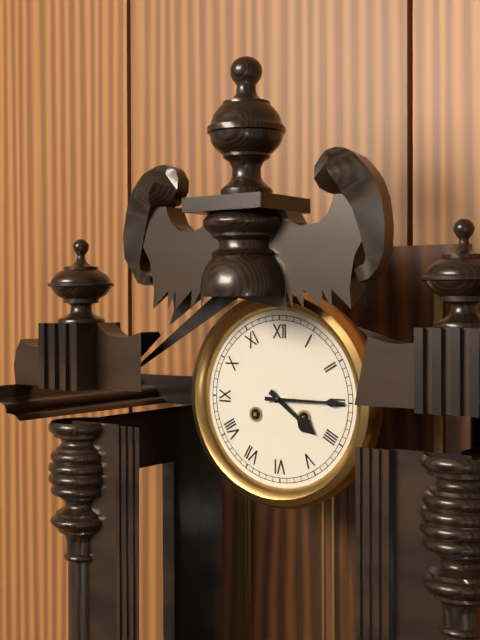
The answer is 4:15
